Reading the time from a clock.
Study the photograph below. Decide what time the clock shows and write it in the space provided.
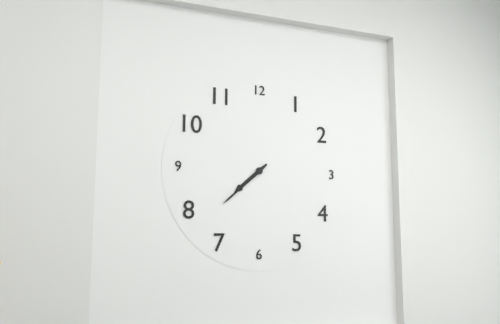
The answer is 7:38
